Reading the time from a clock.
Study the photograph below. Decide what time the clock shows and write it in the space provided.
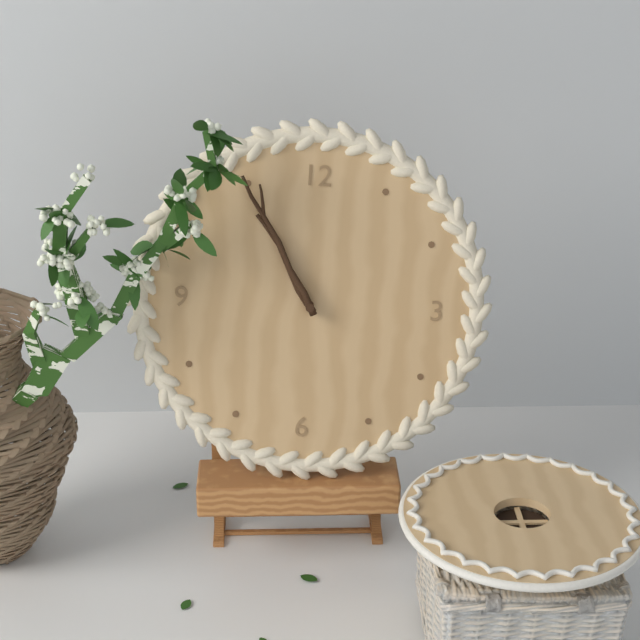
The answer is 10:55
